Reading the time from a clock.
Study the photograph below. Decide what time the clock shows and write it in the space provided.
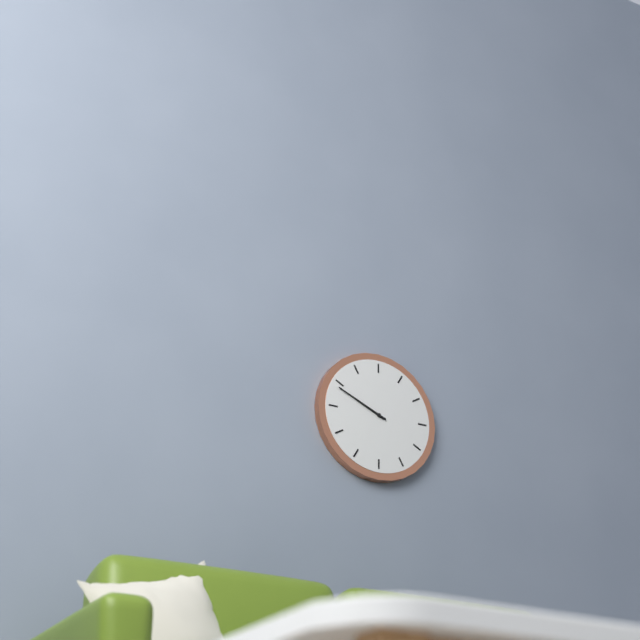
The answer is 9:49
